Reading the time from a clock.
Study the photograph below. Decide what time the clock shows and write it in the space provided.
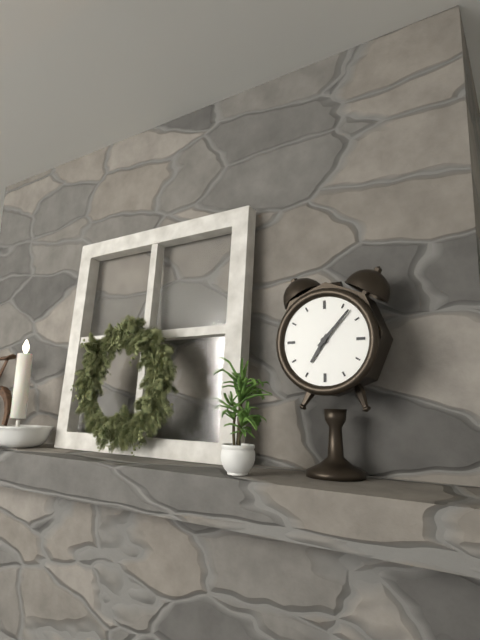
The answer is 7:07
